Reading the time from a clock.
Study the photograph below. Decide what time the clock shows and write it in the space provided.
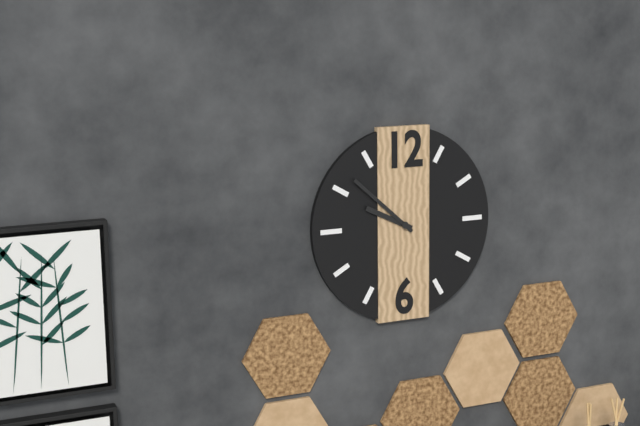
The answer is 9:52
